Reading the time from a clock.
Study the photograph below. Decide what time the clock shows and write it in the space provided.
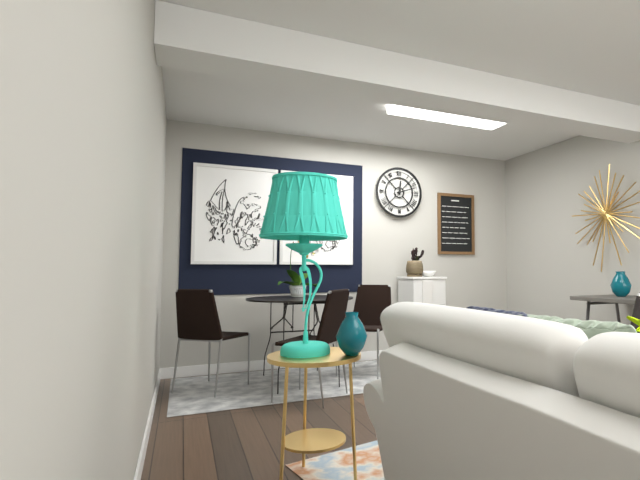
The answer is 12:12
